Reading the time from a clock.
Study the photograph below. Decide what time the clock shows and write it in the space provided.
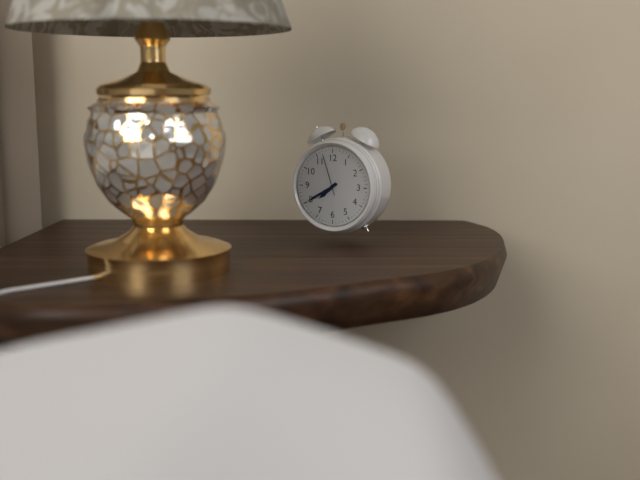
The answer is 7:40
